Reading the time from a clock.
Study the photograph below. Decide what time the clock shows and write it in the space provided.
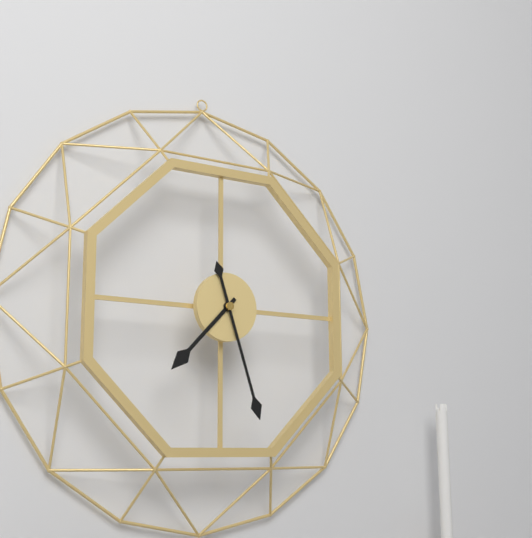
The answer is 7:27
